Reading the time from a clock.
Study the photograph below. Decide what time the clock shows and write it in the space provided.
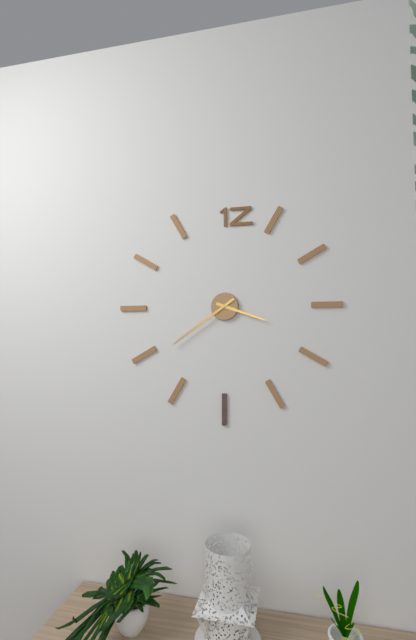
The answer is 3:39
